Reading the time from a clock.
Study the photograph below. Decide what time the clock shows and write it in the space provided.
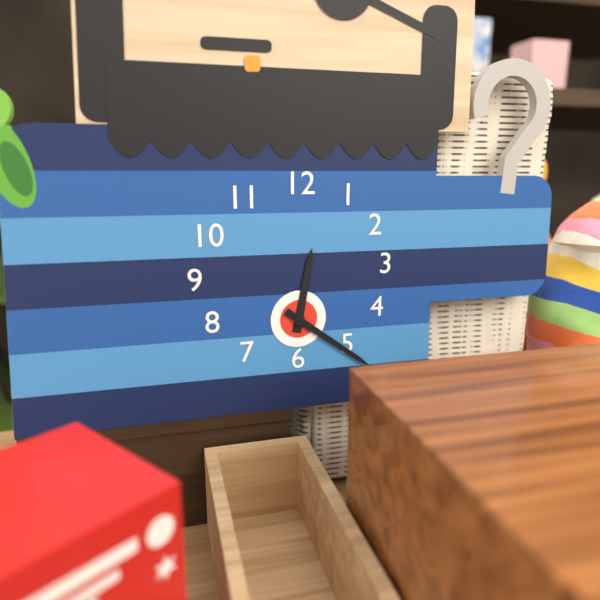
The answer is 12:21
